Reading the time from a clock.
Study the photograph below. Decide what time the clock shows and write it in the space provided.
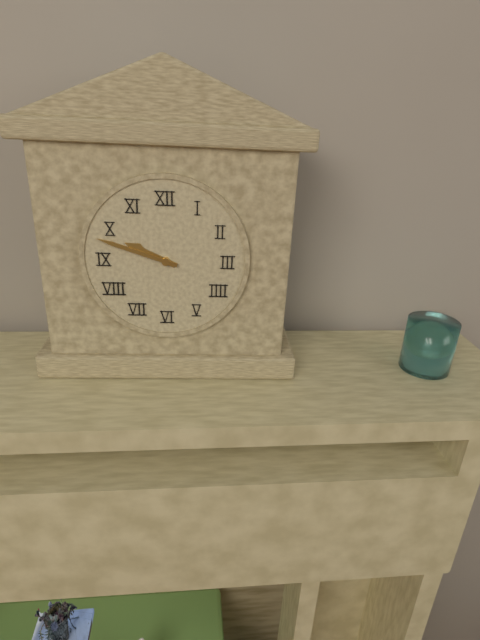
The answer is 9:48
